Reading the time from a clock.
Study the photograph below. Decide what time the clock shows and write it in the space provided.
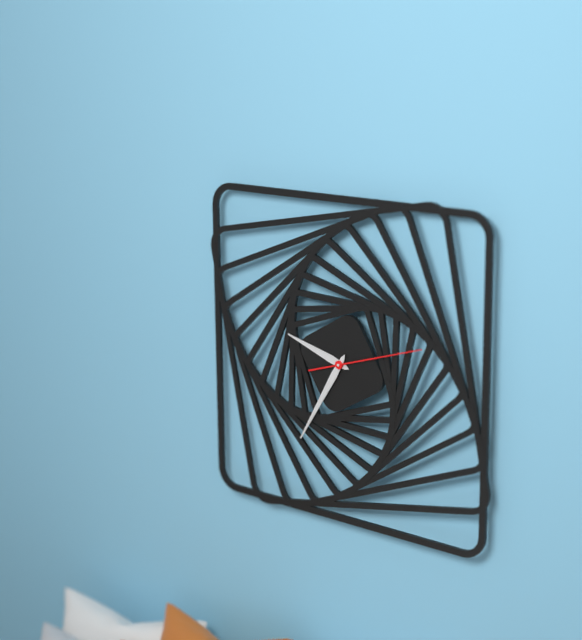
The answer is 9:35:12
